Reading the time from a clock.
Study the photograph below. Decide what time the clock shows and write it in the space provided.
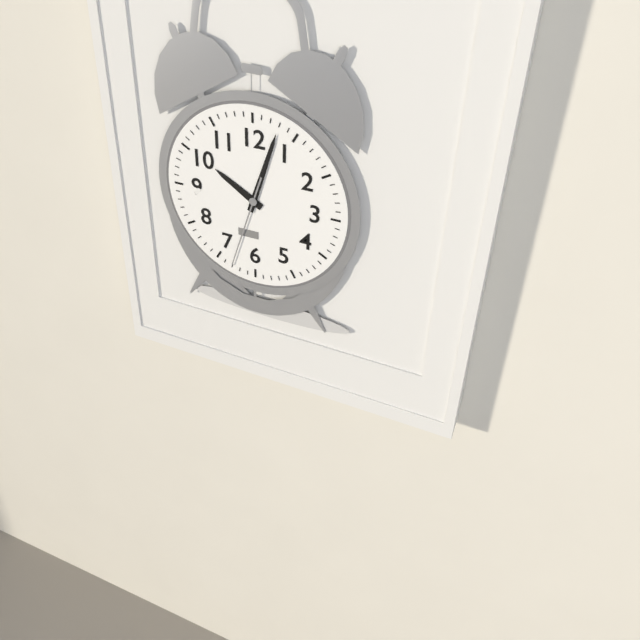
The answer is 10:03:33
